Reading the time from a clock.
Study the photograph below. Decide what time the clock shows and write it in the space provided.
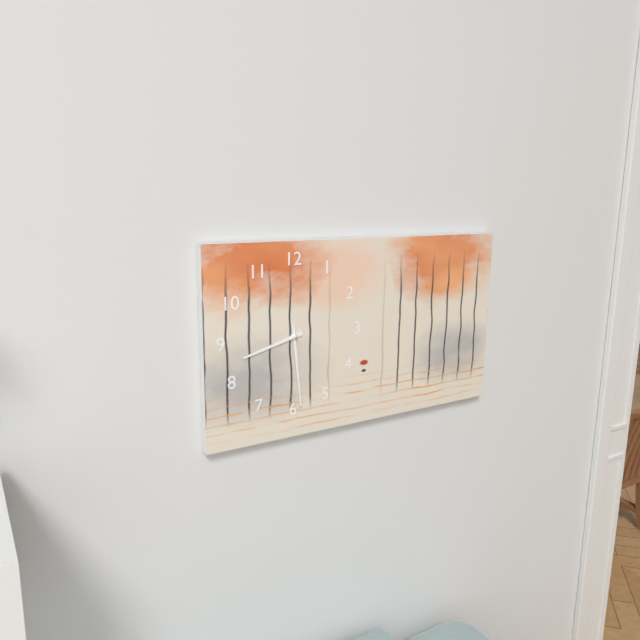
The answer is 8:29
